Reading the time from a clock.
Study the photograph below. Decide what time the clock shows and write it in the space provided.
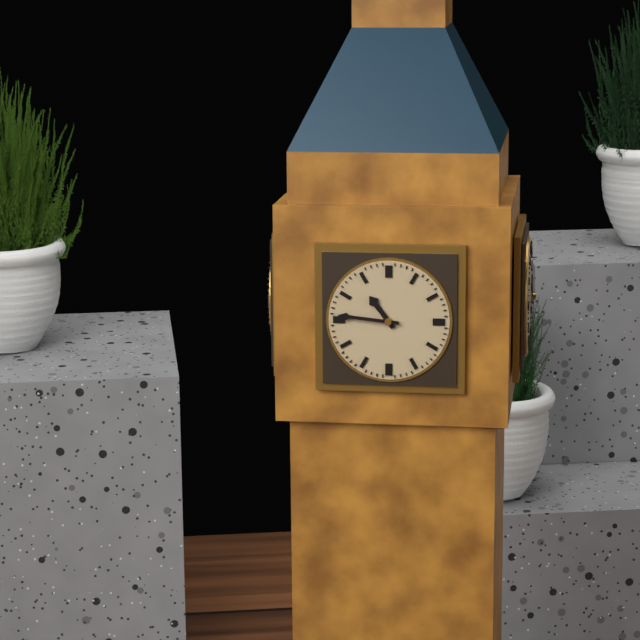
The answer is 10:46
